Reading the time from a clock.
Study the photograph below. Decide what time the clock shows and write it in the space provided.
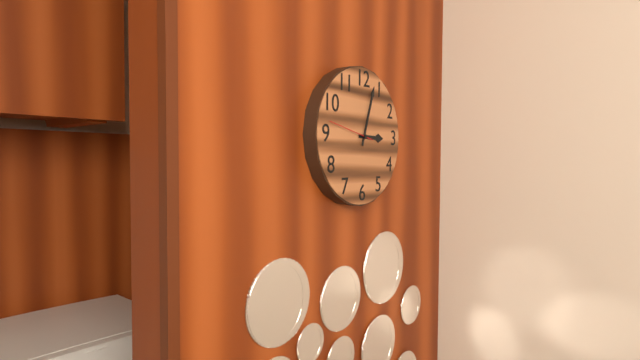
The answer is 3:03
